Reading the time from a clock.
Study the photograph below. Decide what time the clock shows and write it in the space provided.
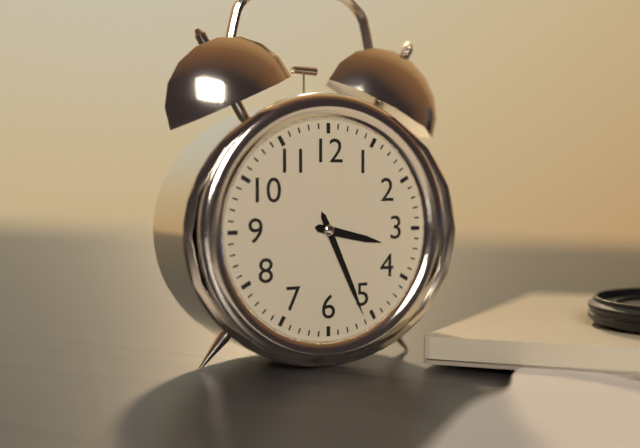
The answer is 3:26
